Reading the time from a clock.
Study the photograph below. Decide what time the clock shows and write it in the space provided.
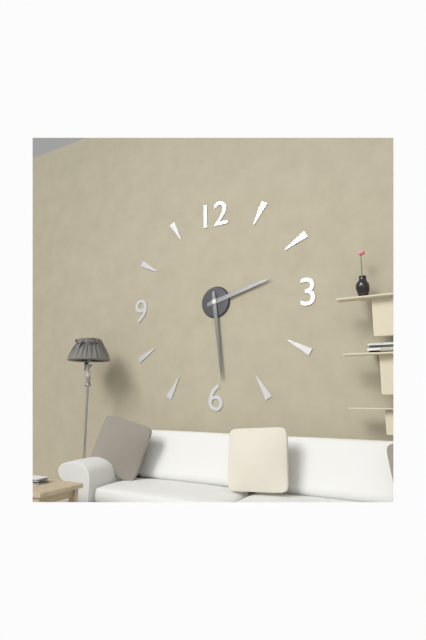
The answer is 2:29
